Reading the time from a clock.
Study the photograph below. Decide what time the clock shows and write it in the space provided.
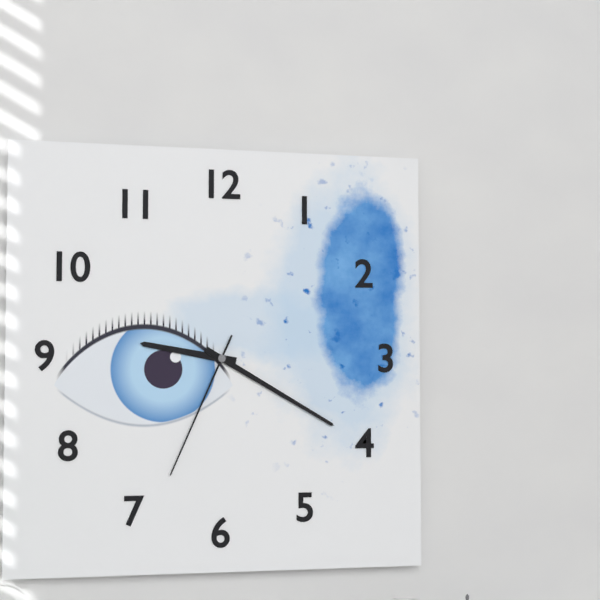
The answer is 9:20:34
